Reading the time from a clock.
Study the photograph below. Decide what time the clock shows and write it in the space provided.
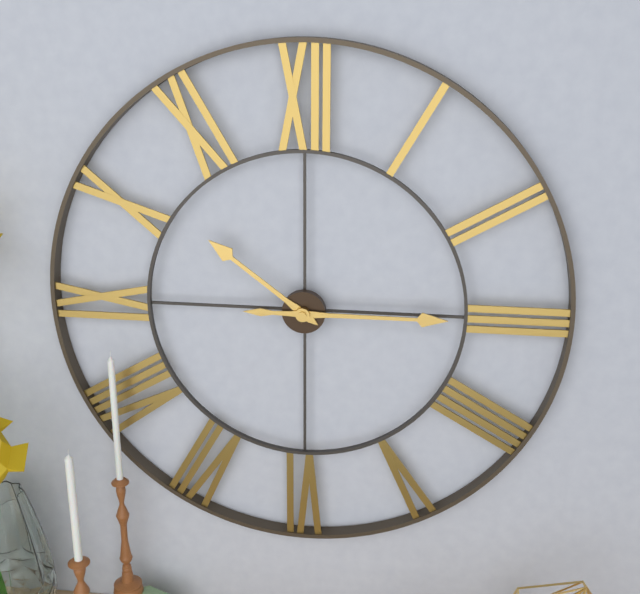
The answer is 10:15
